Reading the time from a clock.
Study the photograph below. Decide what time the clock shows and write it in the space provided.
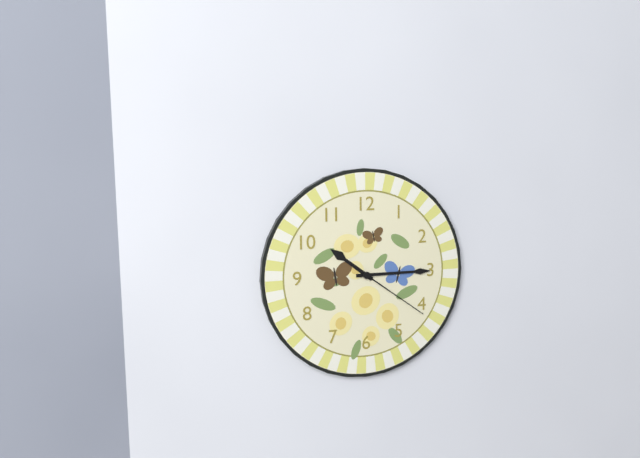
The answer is 10:15:21
